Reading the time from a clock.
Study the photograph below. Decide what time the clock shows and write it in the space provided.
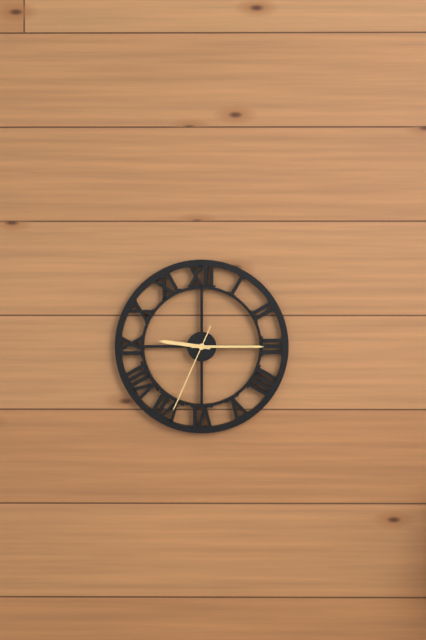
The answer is 9:15:34
